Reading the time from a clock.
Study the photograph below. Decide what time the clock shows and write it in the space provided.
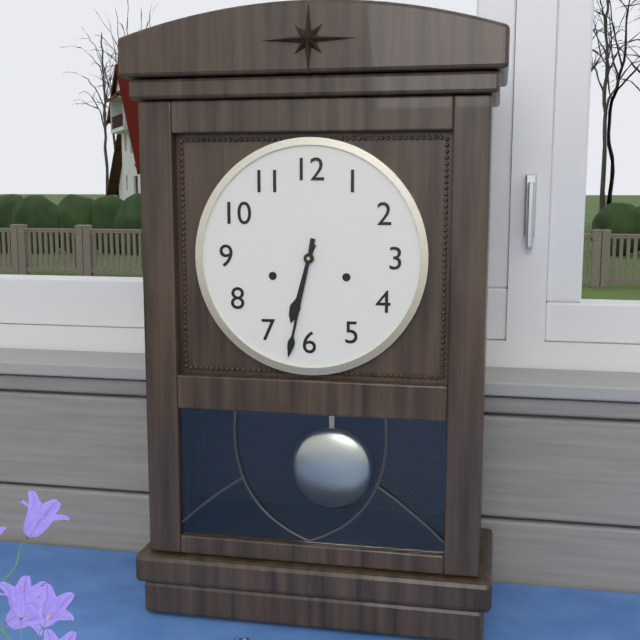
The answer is 6:32
